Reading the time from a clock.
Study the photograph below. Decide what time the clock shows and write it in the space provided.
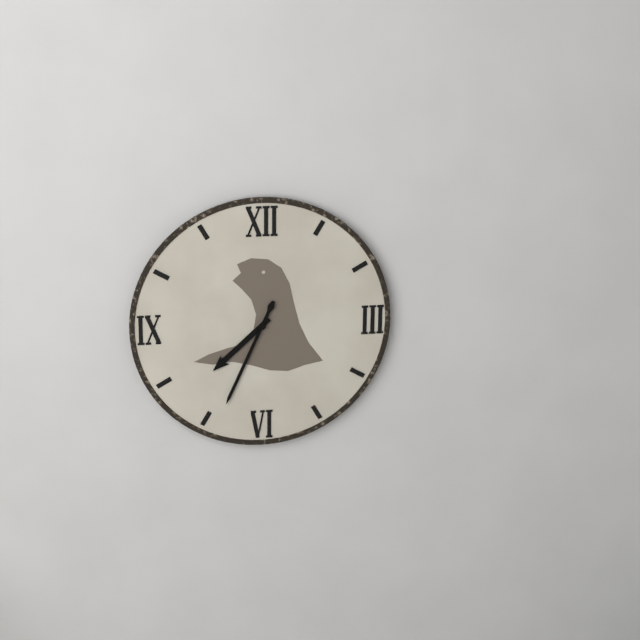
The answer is 7:34
